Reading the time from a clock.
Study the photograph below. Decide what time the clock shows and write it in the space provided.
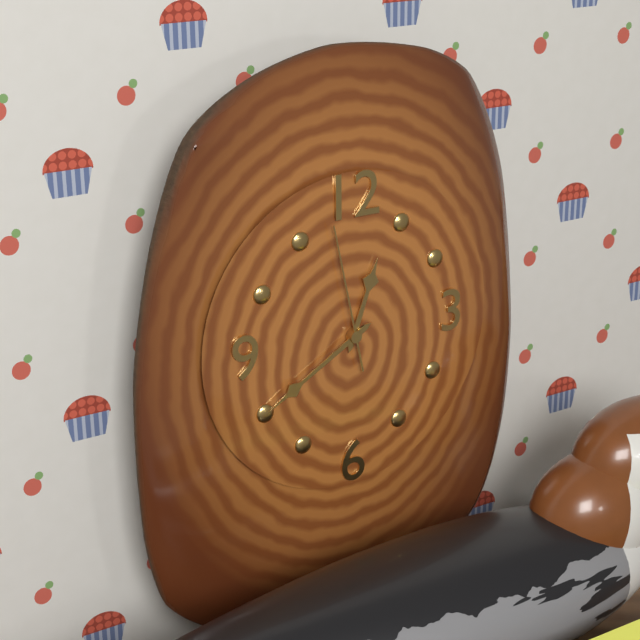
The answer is 12:40:58
